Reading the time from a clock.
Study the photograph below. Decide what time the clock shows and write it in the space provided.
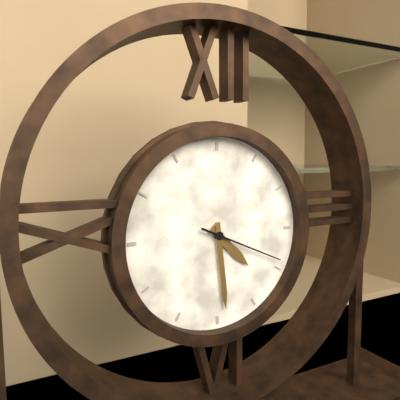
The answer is 4:29:19
